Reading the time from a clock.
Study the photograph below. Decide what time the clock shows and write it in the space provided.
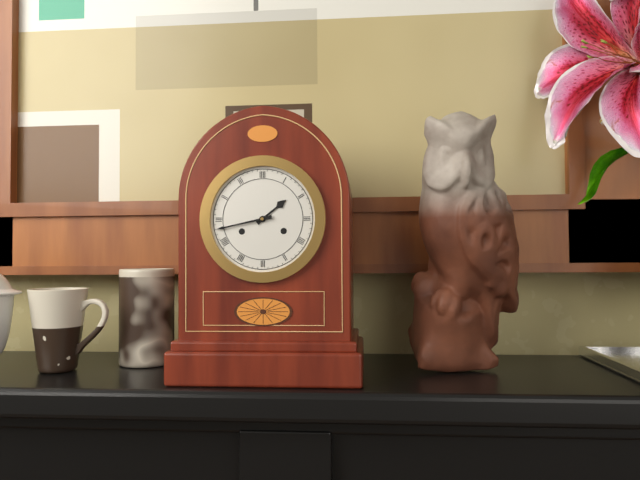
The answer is 1:43
